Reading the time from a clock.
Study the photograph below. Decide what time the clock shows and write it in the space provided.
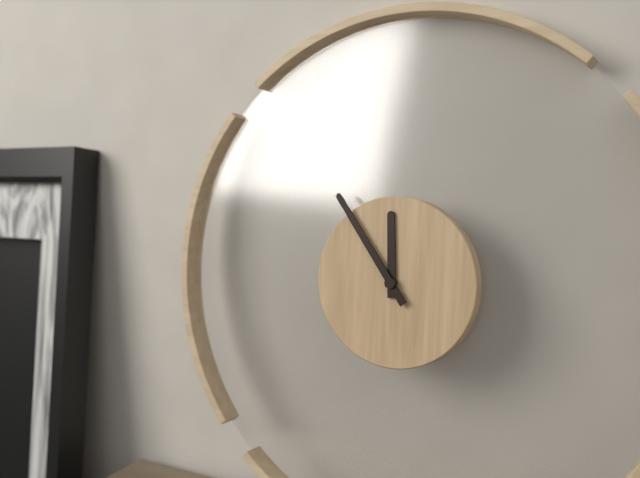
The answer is 11:54
